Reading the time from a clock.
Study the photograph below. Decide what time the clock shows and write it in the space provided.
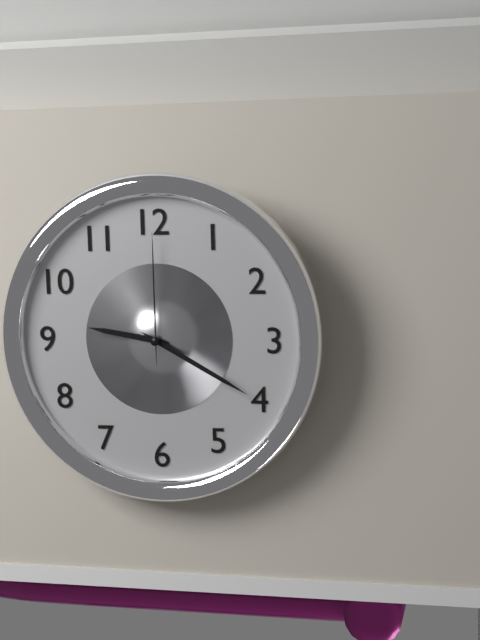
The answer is 9:20:00
